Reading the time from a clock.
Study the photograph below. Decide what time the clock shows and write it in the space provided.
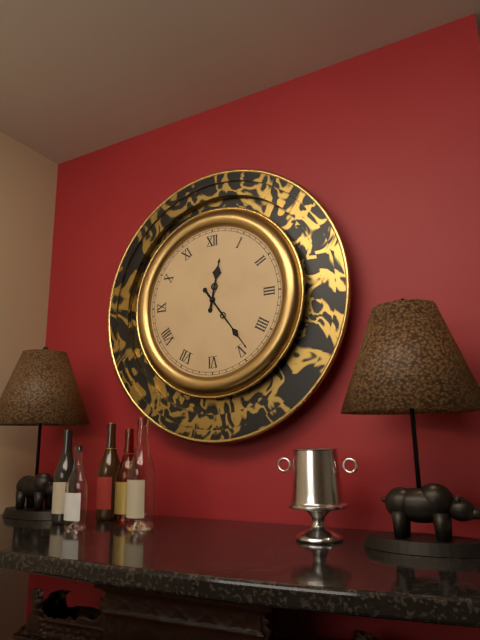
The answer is 12:24
